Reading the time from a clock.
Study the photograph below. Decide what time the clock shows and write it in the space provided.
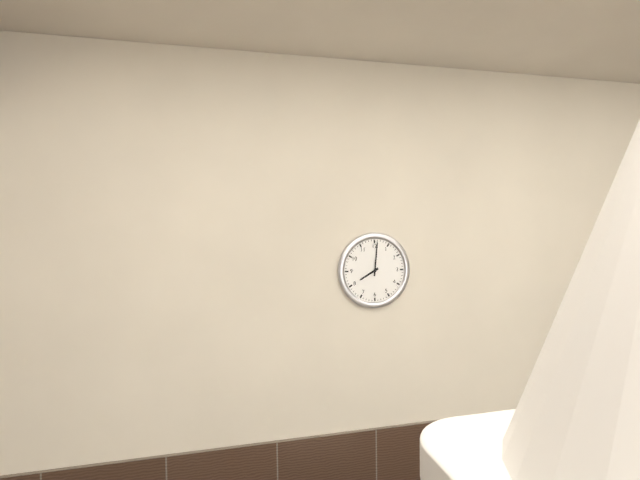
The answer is 8:01
